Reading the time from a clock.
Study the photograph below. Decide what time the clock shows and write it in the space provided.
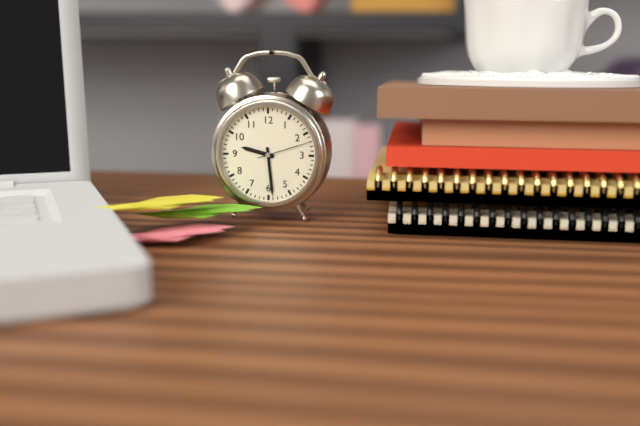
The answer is 9:29:12
